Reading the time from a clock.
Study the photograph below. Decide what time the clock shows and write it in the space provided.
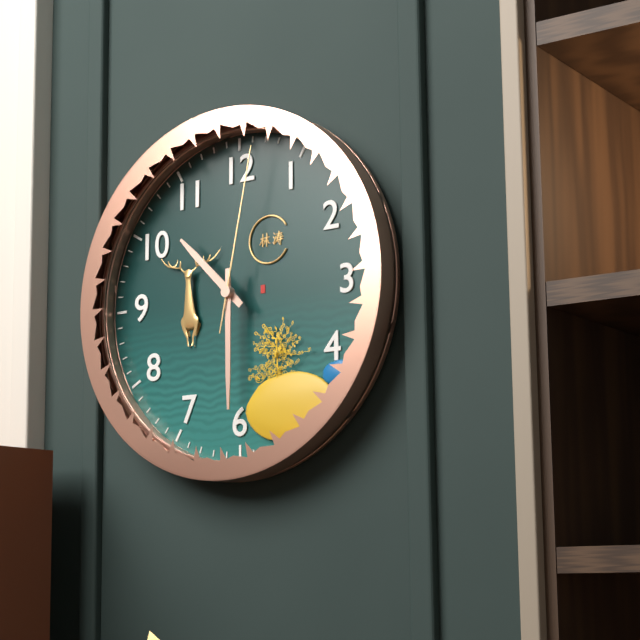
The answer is 10:30:02
